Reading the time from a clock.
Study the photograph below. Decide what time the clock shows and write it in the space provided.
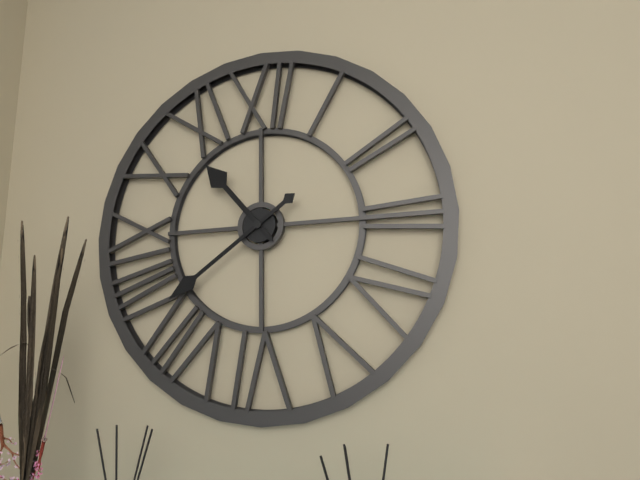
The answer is 10:39
